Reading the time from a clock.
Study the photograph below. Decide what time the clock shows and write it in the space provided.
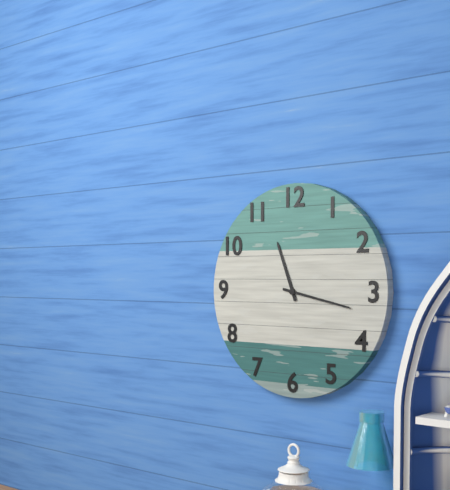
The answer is 11:17
